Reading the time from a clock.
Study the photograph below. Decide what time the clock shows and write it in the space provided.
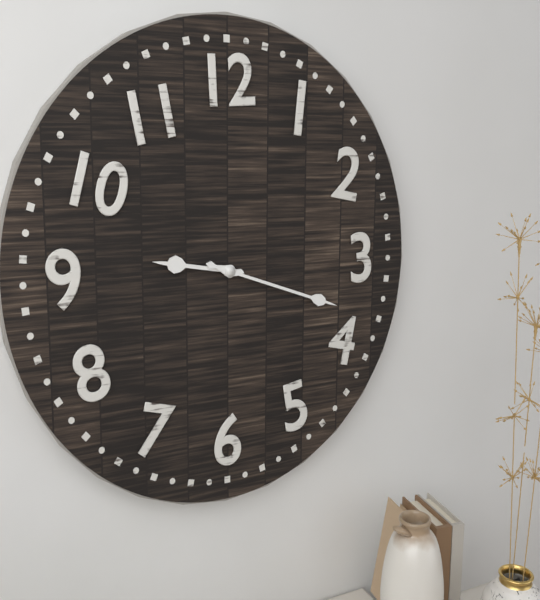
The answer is 9:18
